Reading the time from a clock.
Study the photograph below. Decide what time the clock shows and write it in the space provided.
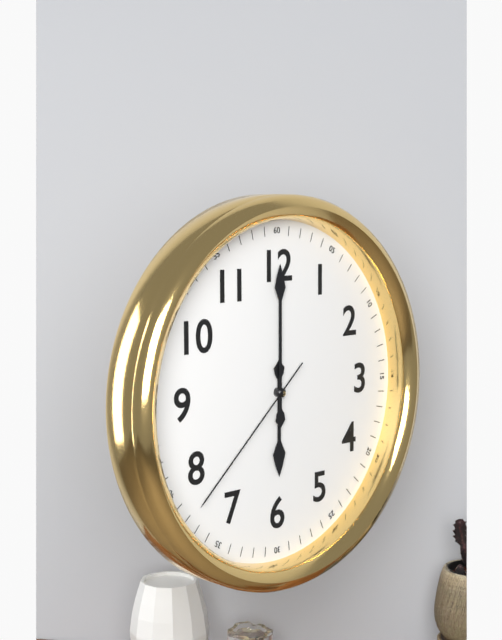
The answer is 6:00:38
